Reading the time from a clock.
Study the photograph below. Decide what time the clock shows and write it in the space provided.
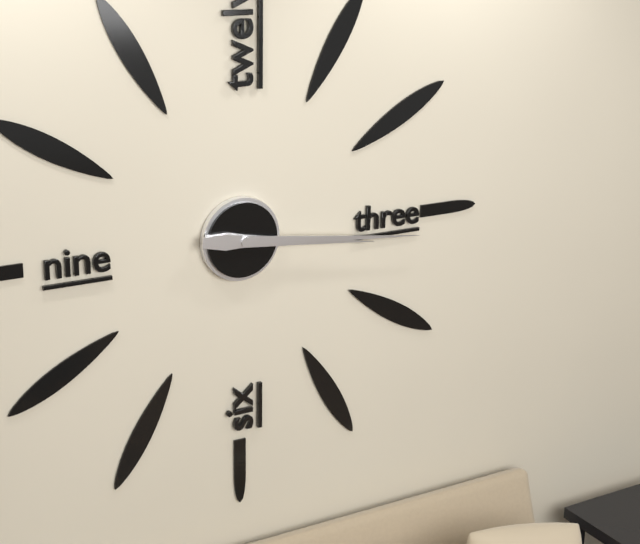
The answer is 3:16
